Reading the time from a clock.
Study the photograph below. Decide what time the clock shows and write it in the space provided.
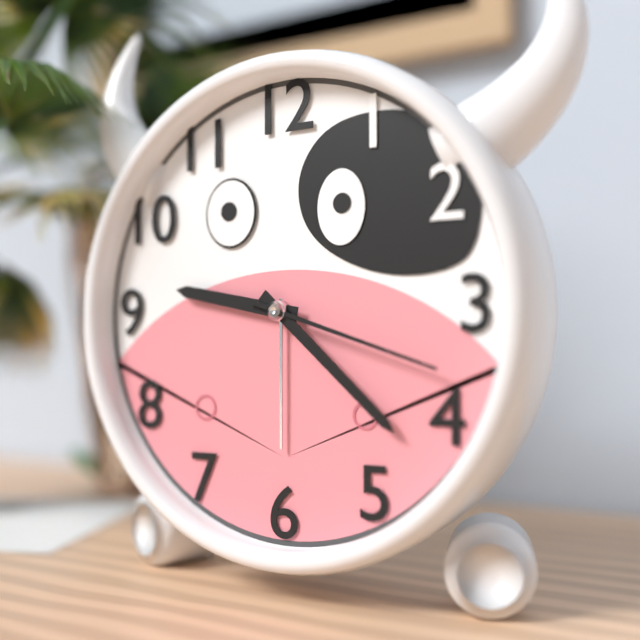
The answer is 9:22:18
